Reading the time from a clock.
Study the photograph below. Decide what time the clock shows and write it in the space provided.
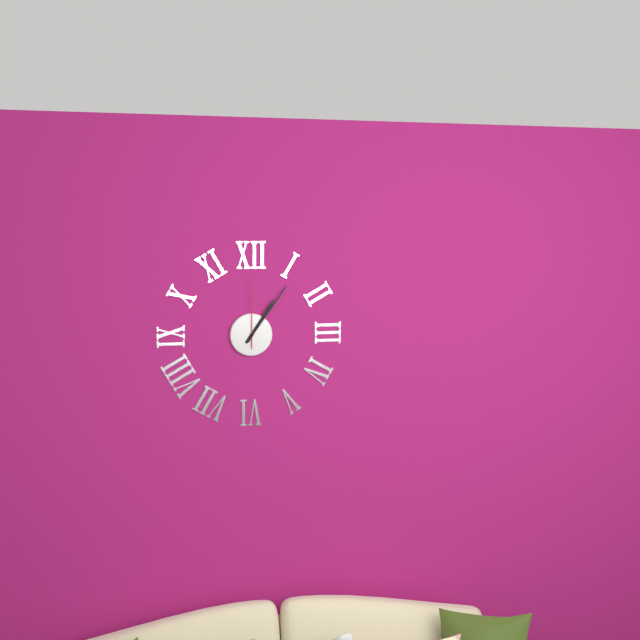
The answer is 1:06:00
